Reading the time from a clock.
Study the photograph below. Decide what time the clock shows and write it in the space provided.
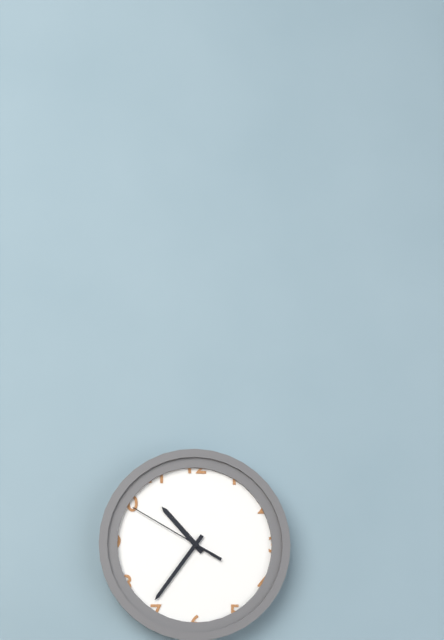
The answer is 10:36:50
